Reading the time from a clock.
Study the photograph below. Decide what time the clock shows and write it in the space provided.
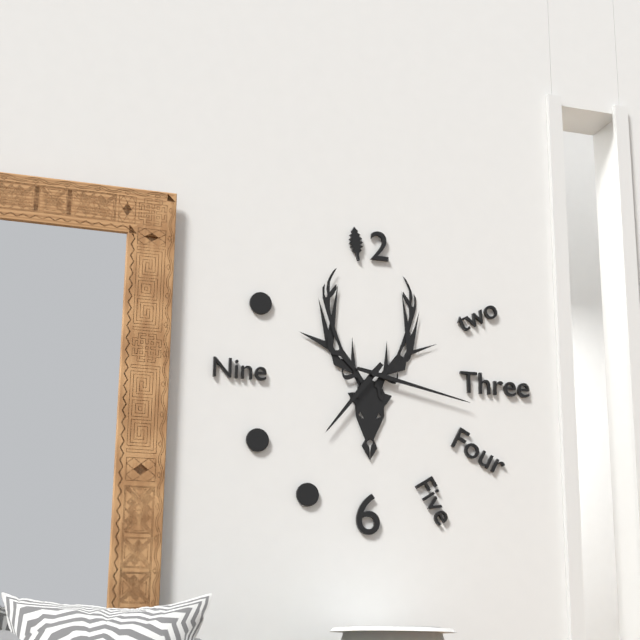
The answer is 7:17
